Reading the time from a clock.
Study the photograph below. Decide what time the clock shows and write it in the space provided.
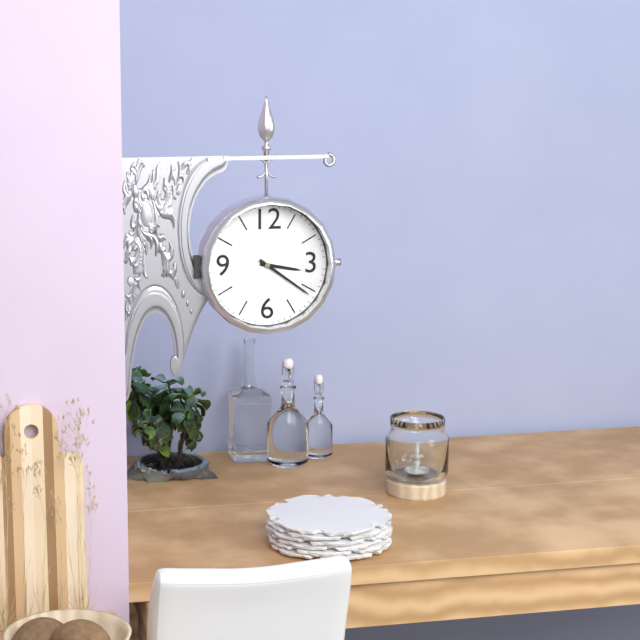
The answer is 3:21
